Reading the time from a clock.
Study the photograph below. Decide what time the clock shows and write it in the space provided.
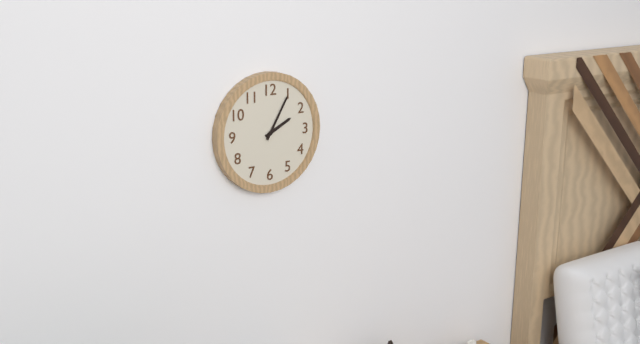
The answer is 2:05
